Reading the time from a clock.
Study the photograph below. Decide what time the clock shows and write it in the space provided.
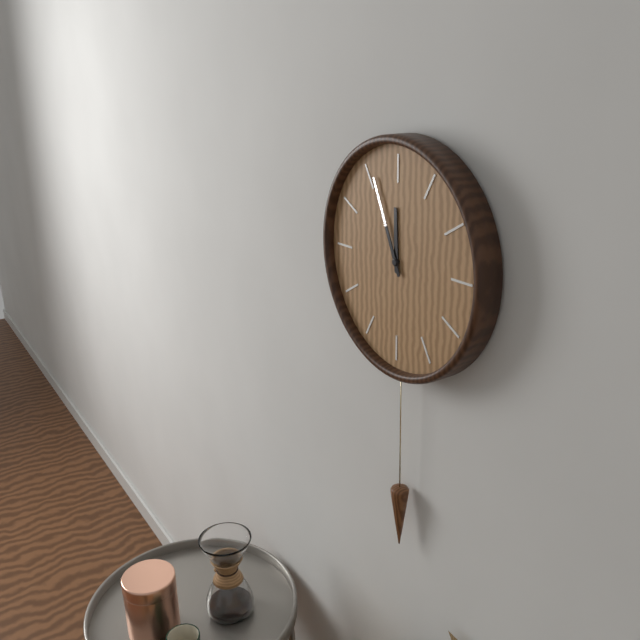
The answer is 11:56
